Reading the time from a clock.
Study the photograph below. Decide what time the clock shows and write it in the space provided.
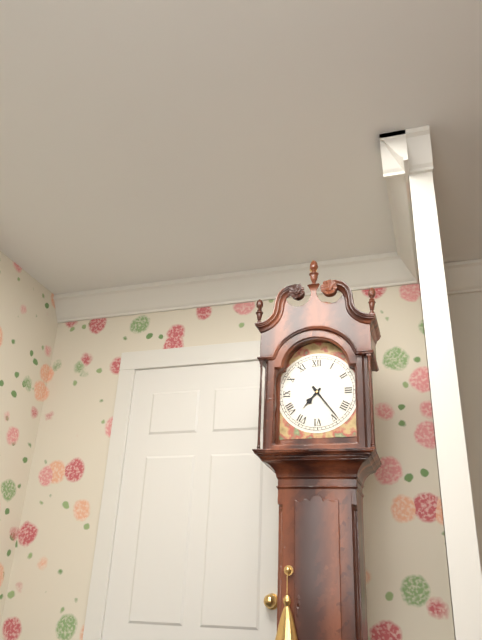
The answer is 7:24
